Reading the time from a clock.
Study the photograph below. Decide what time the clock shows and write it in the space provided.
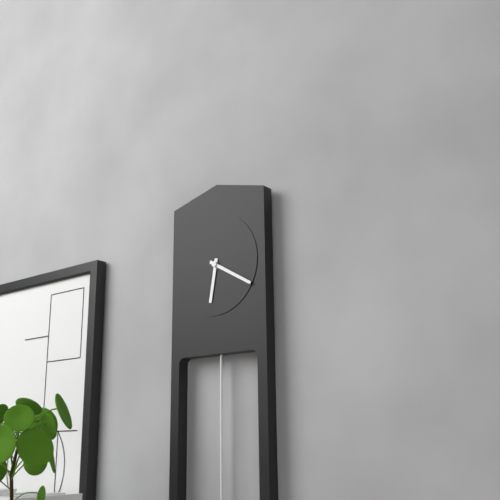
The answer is 6:20
